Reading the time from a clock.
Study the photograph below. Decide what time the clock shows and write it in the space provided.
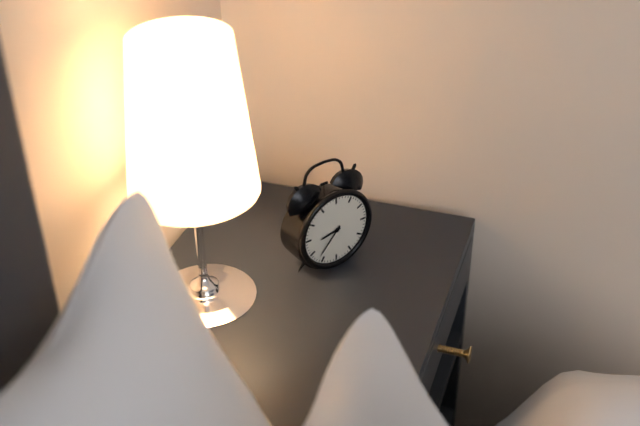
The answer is 8:37
